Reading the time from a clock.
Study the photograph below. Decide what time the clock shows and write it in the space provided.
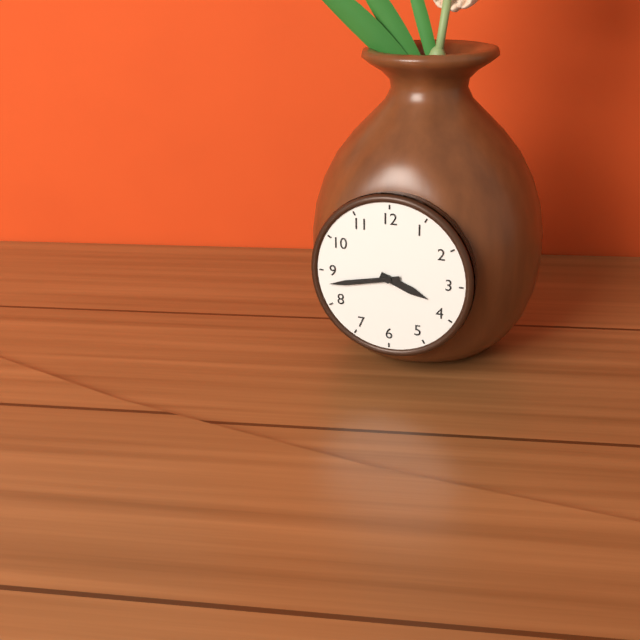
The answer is 3:43
